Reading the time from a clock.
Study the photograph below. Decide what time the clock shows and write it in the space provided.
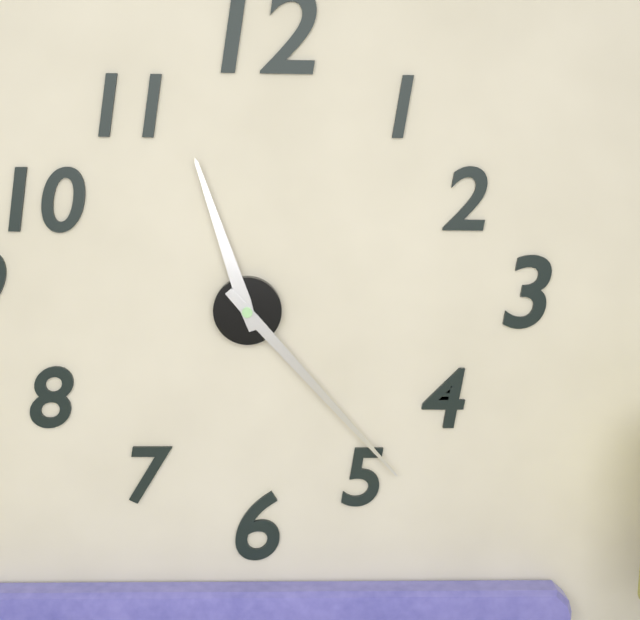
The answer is 11:23
